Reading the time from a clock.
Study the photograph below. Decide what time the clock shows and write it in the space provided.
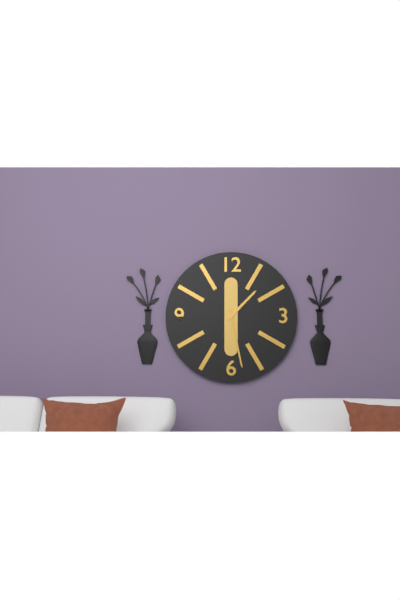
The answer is 1:28
